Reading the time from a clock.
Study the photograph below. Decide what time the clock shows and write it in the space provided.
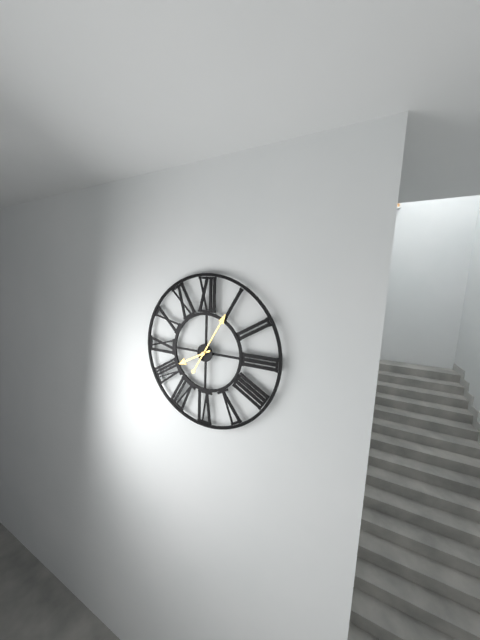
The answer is 8:05
